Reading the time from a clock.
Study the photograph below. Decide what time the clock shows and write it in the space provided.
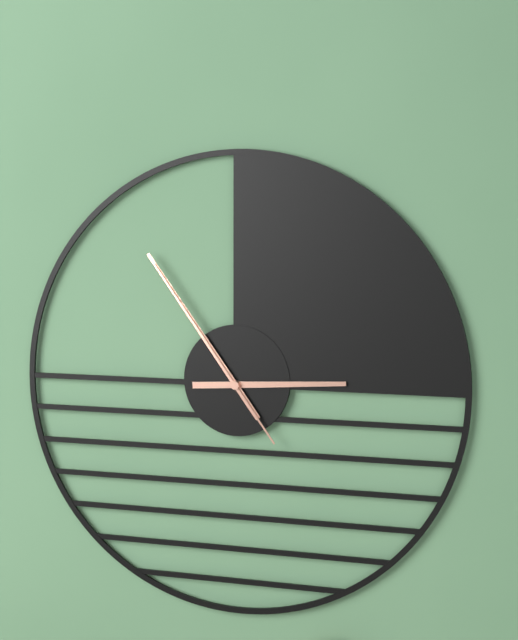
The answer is 2:54:54
